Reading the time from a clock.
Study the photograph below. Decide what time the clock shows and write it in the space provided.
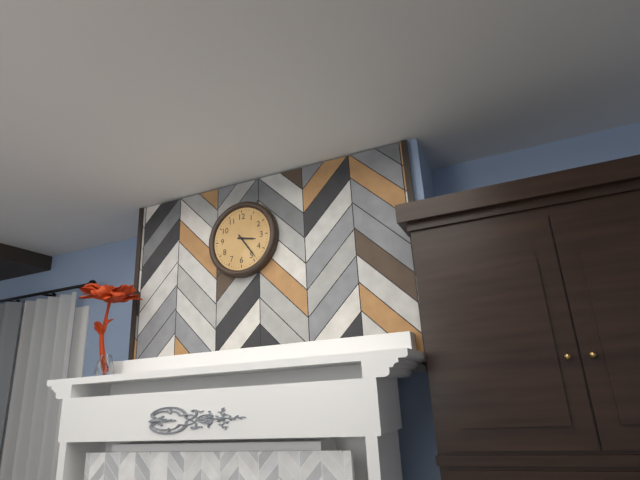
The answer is 3:24
